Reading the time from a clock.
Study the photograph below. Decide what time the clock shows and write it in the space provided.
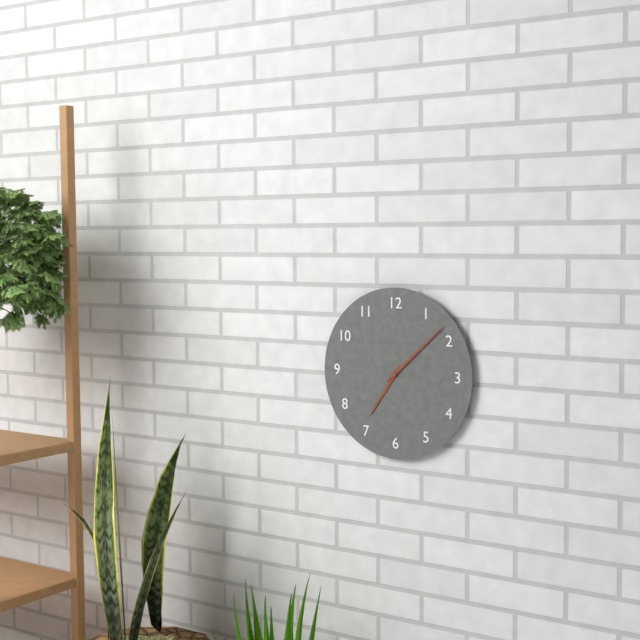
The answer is 7:08
